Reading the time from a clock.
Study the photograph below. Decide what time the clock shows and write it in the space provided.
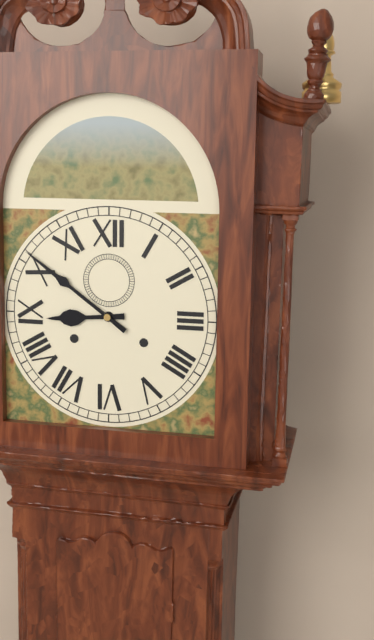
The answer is 8:51
